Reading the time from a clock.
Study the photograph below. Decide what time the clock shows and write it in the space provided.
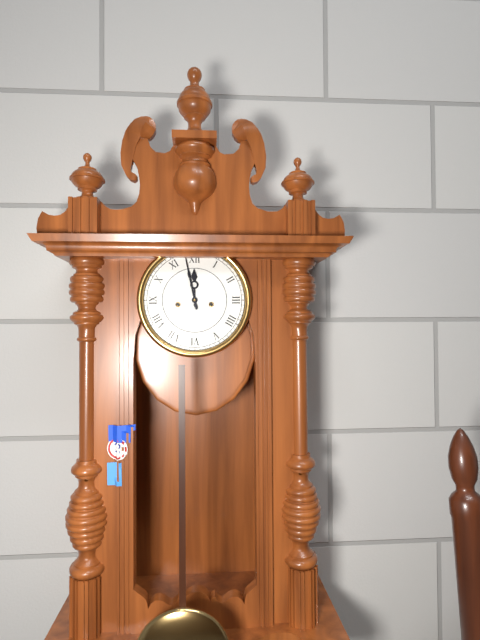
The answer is 11:58
